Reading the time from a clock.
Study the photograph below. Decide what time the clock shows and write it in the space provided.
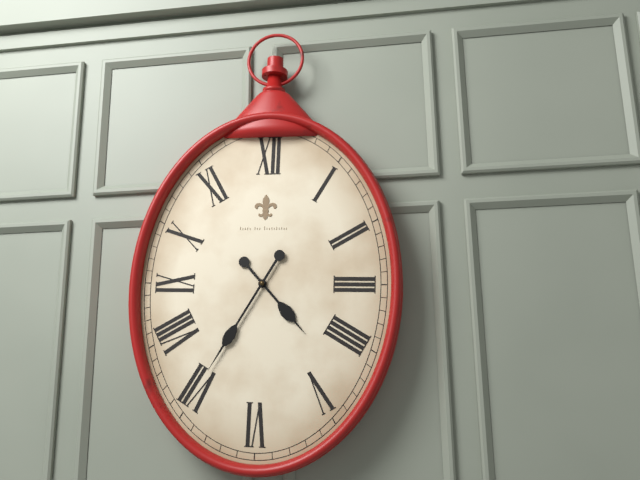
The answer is 4:35
